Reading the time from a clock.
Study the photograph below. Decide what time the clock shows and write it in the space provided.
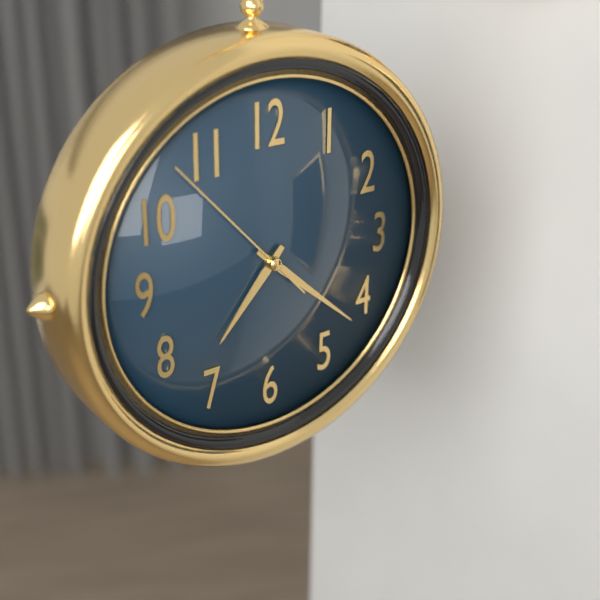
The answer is 7:22:53
